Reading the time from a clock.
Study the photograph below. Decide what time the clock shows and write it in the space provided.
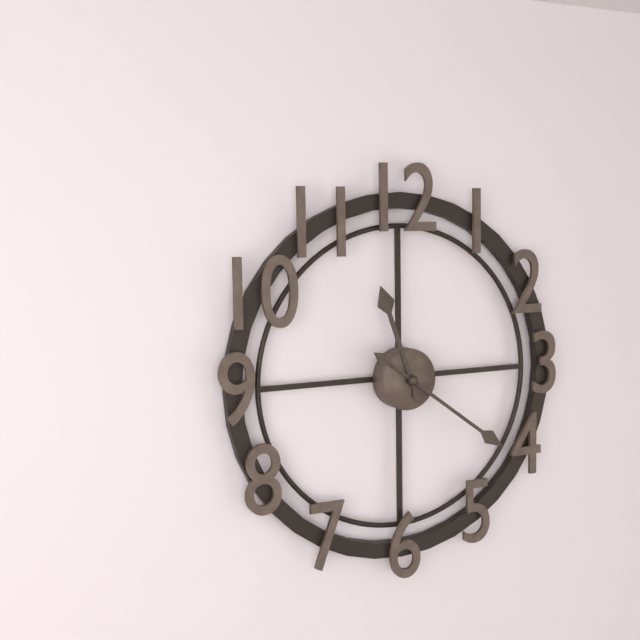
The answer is 11:21
